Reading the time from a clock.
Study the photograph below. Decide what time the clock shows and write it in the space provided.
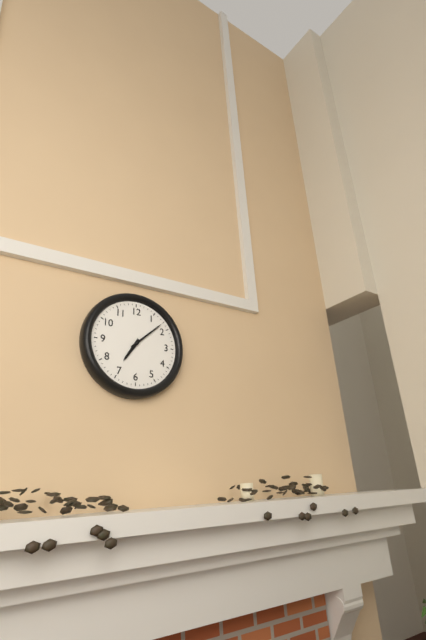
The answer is 7:08
